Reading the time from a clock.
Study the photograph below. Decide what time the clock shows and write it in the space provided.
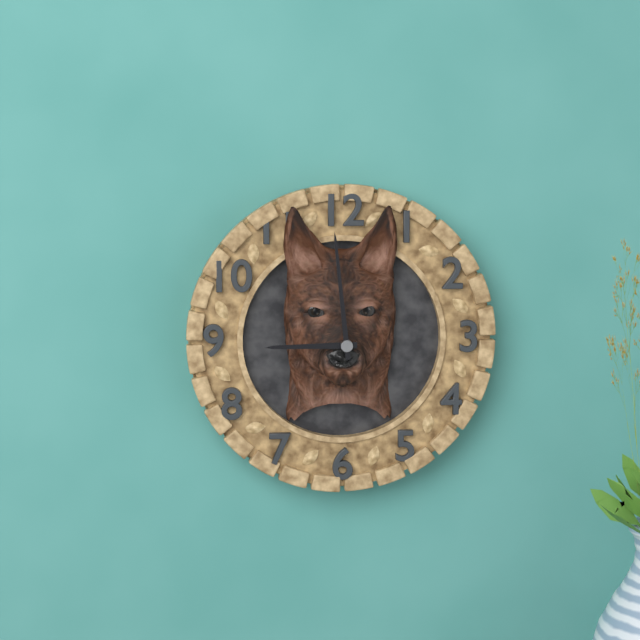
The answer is 8:59
